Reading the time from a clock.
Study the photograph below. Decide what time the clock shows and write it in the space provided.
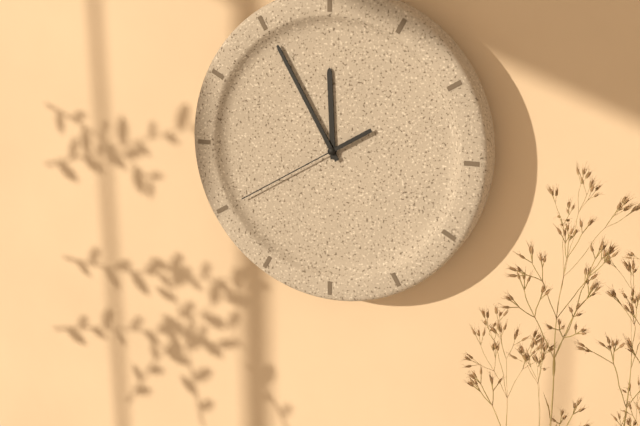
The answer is 11:55:40
